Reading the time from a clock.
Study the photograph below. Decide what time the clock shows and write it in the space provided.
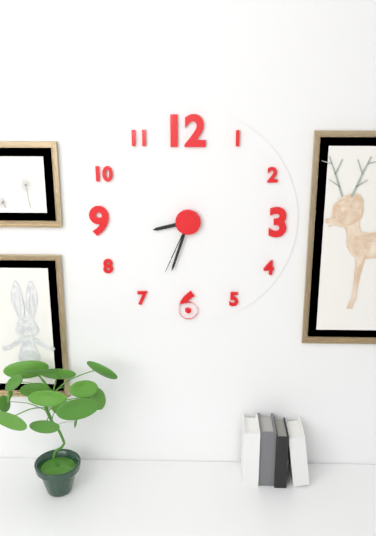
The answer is 8:33:34
